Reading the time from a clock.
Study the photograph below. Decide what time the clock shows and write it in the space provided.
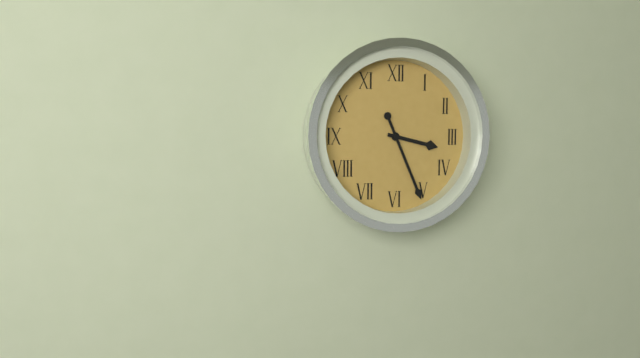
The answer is 3:26
